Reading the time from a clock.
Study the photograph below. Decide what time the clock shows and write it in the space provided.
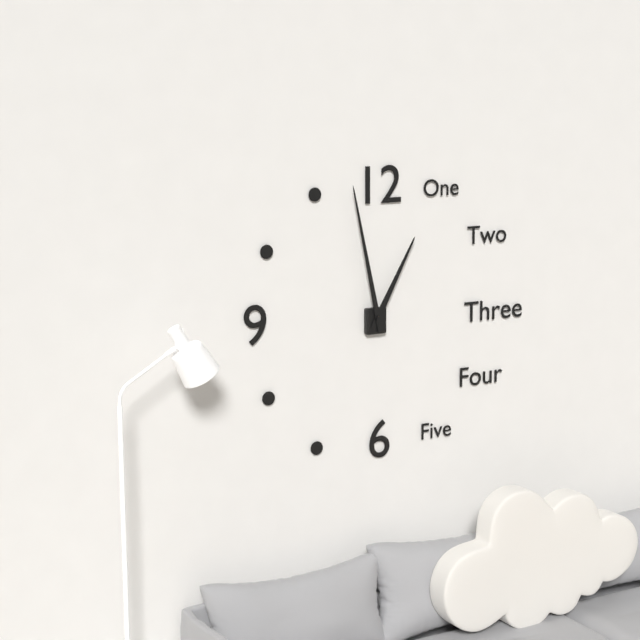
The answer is 12:58
